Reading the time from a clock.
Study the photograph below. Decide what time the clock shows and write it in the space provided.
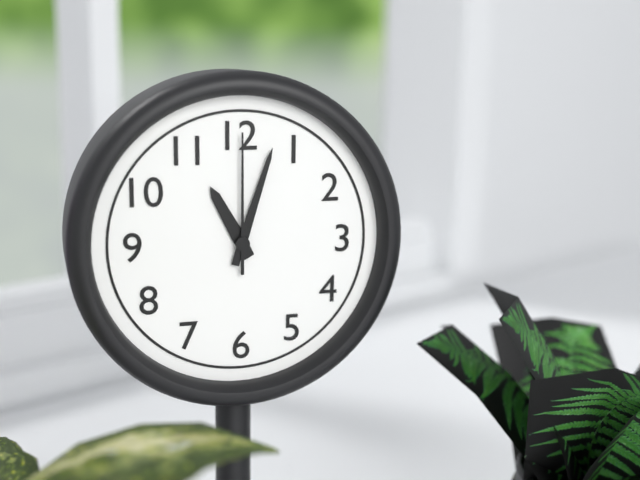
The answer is 11:03:00
